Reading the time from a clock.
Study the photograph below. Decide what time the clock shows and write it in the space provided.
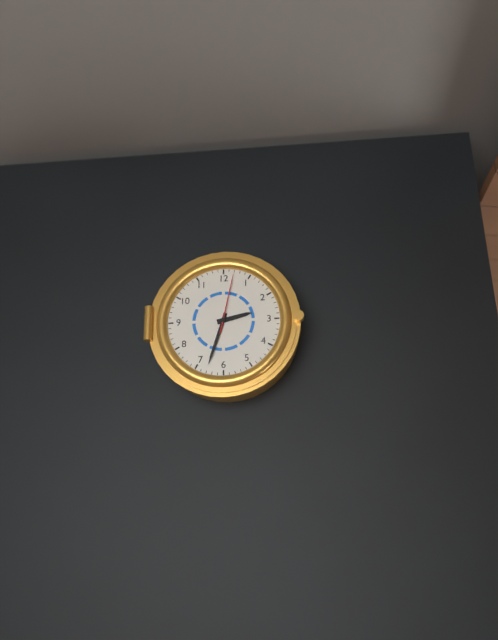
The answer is 2:33:02
